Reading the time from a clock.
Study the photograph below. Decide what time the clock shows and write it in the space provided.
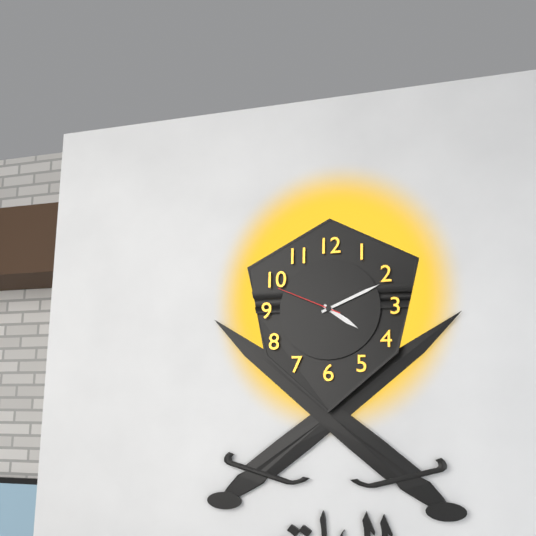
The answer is 4:11:49
